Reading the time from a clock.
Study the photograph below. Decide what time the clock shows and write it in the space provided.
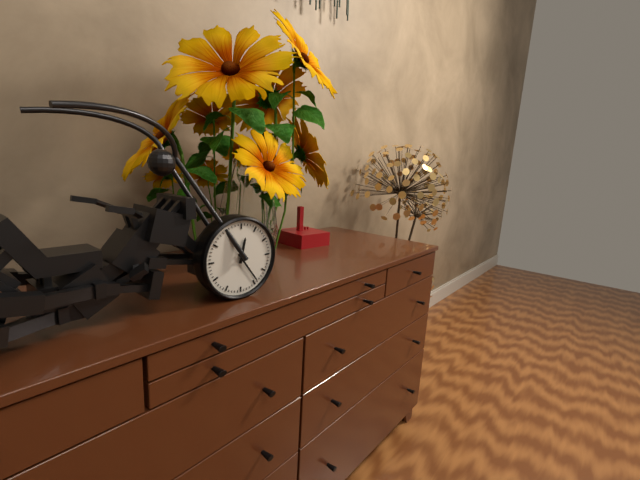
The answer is 12:24
